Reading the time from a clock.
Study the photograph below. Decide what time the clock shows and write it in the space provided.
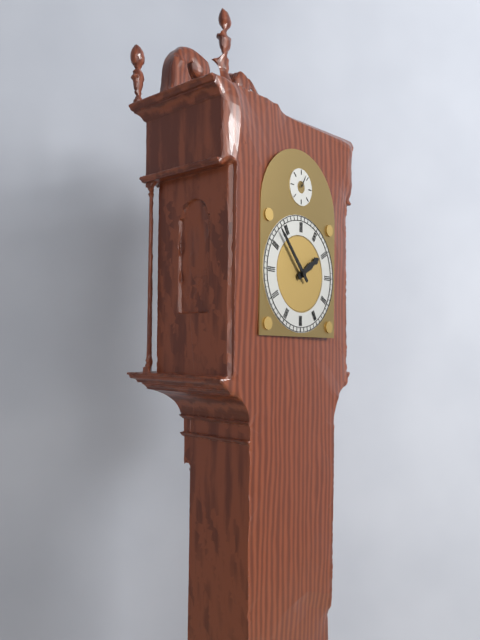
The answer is 1:53
